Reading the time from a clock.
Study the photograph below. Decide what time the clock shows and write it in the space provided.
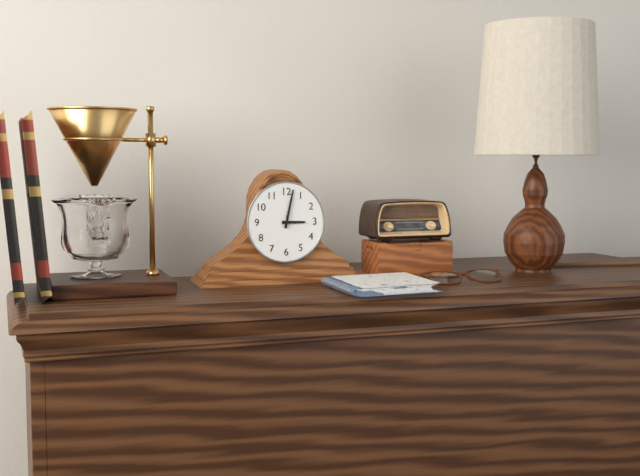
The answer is 3:02
